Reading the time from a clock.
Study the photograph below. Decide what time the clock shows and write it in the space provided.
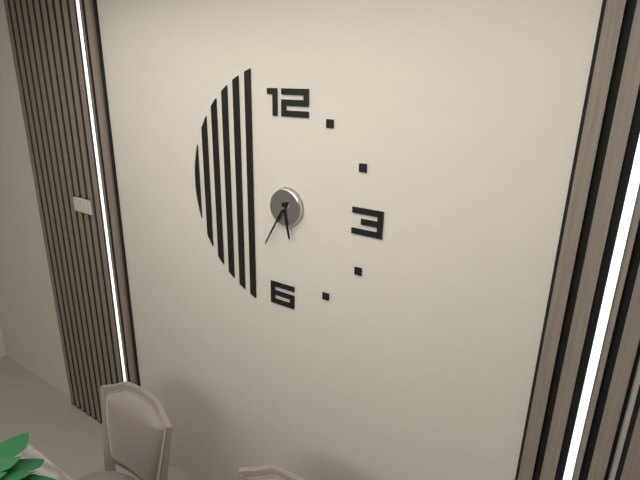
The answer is 5:35
